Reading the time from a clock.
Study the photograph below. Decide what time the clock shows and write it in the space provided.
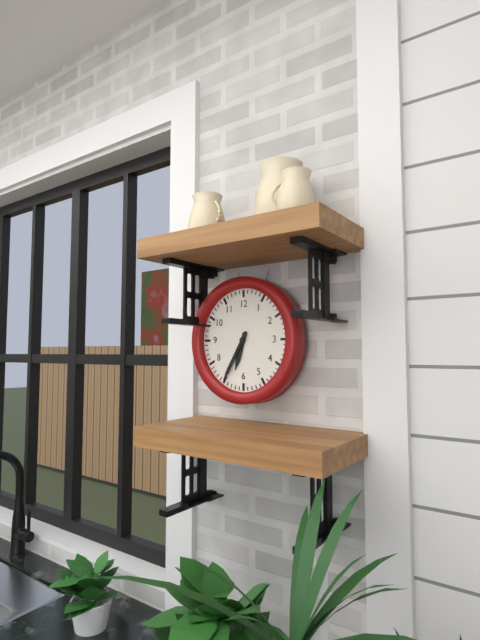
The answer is 6:35
